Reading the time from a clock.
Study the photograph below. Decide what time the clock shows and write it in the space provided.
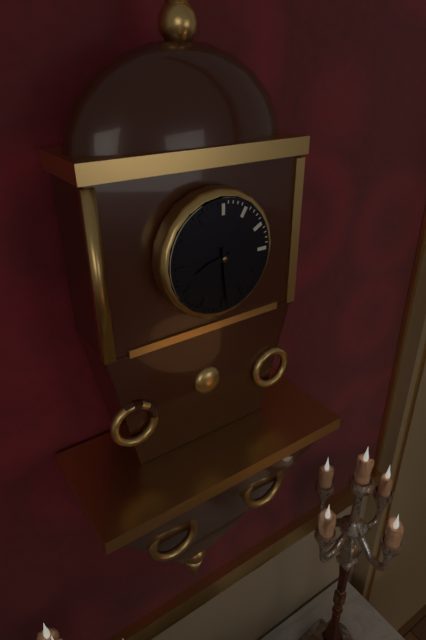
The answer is 8:29
